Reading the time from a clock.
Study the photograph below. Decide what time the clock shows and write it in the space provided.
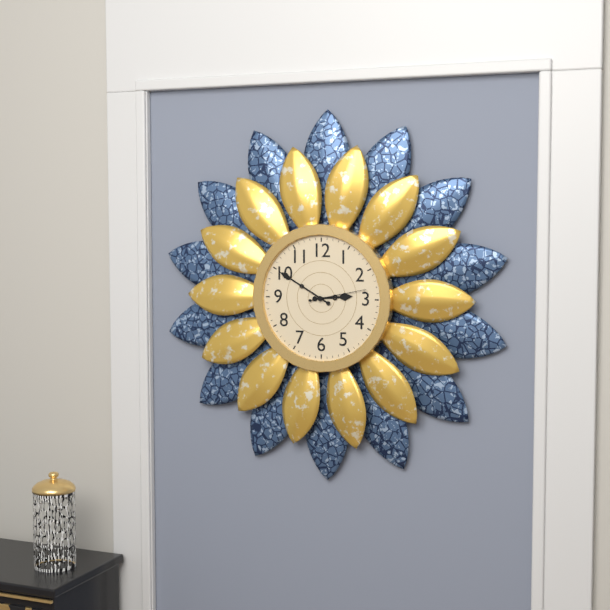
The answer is 2:50:13
